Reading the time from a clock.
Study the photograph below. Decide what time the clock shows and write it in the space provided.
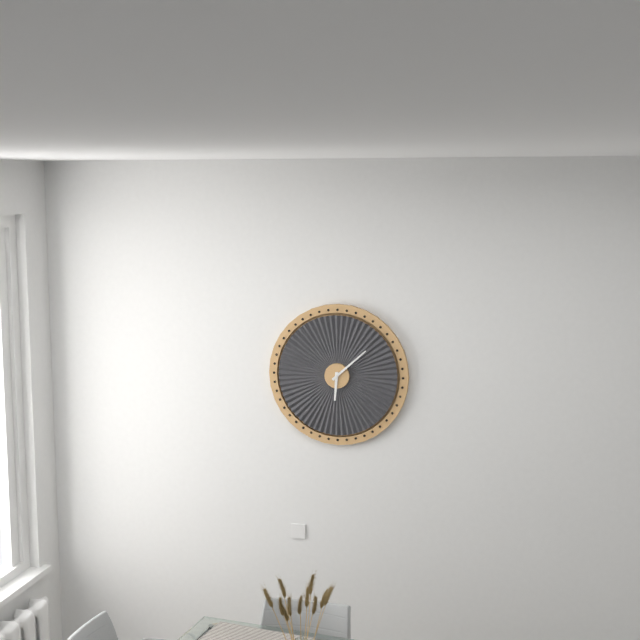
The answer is 6:08
